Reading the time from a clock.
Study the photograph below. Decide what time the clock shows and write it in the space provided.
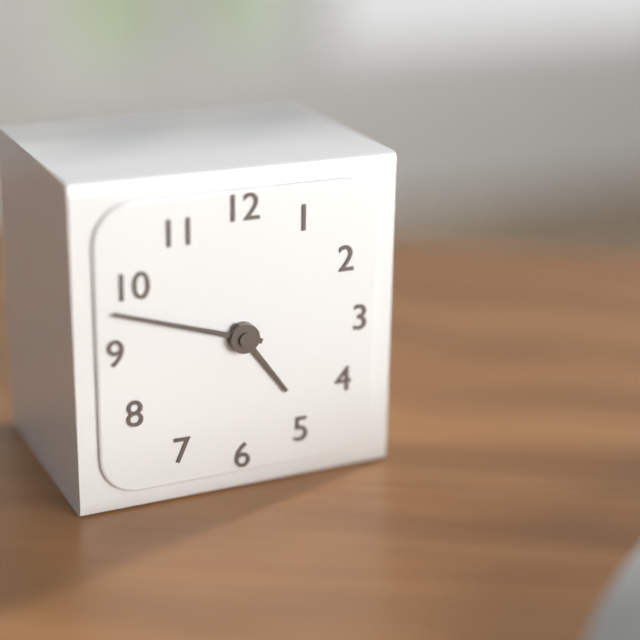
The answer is 4:48
